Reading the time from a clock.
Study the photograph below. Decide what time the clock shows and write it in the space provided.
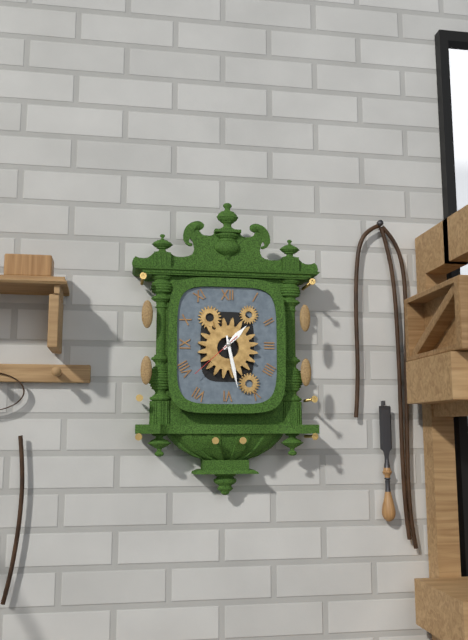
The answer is 1:28:38
